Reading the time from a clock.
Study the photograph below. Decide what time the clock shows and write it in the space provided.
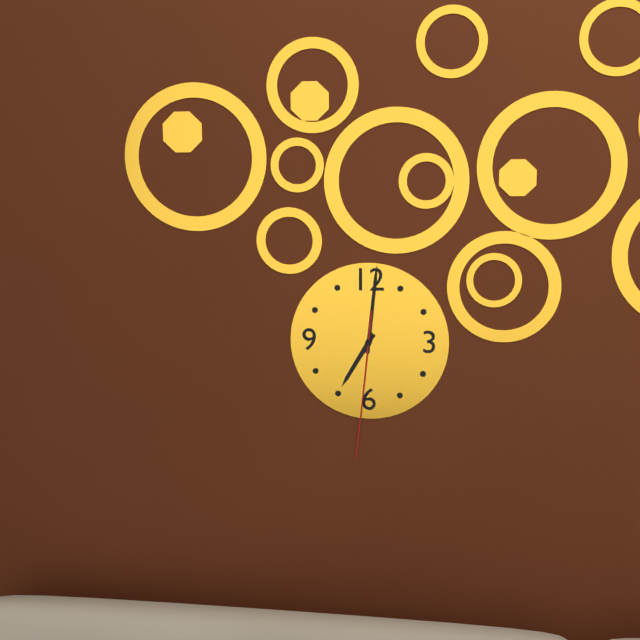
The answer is 7:01:31
